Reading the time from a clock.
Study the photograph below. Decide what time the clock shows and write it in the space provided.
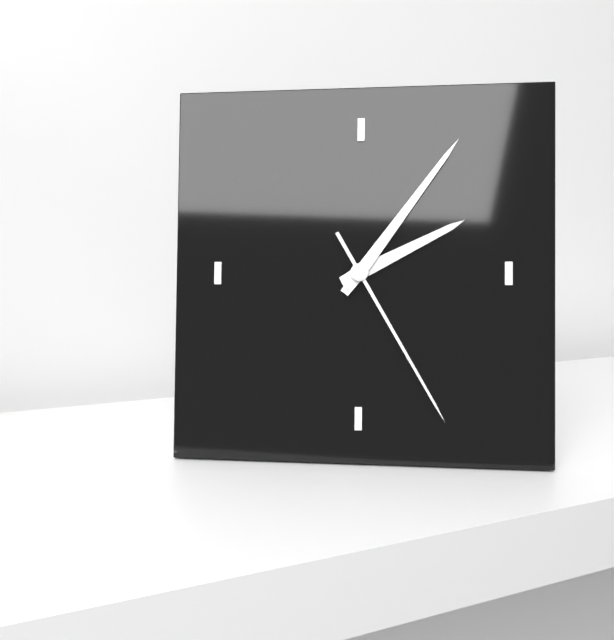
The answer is 2:06:25
